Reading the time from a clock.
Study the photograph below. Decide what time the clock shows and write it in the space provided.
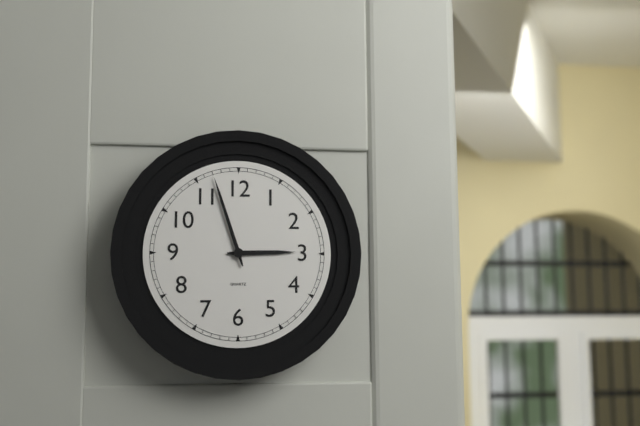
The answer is 2:57
